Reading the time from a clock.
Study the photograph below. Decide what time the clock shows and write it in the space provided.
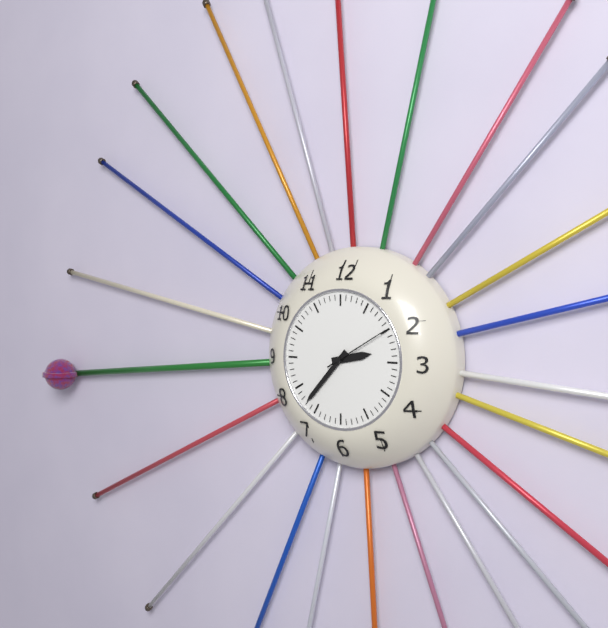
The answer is 2:37:10
